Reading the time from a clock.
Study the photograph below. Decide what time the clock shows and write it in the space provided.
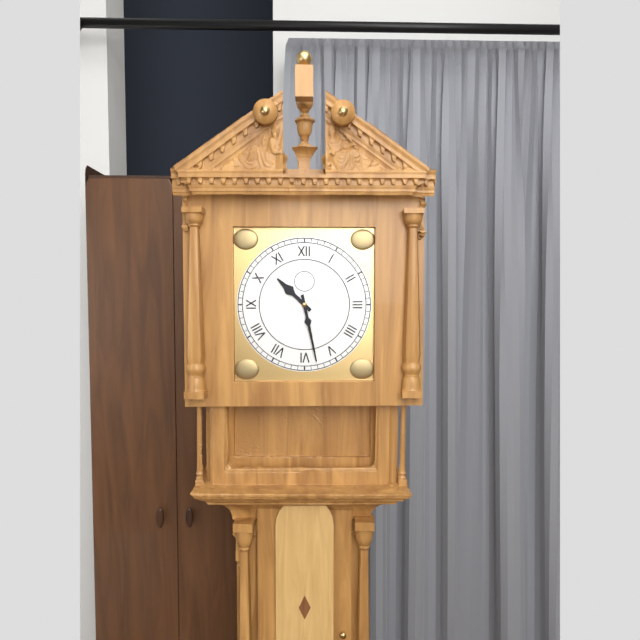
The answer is 10:28
